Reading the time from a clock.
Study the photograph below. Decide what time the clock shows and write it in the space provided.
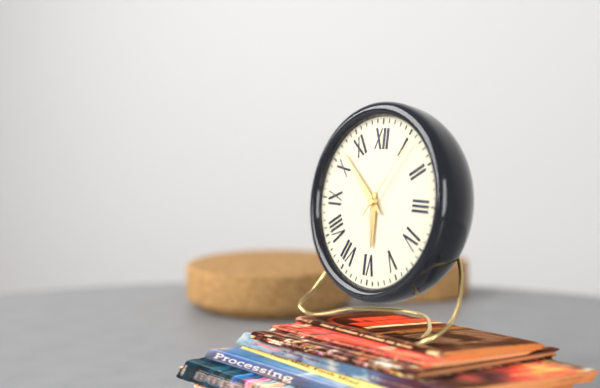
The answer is 5:52:06
